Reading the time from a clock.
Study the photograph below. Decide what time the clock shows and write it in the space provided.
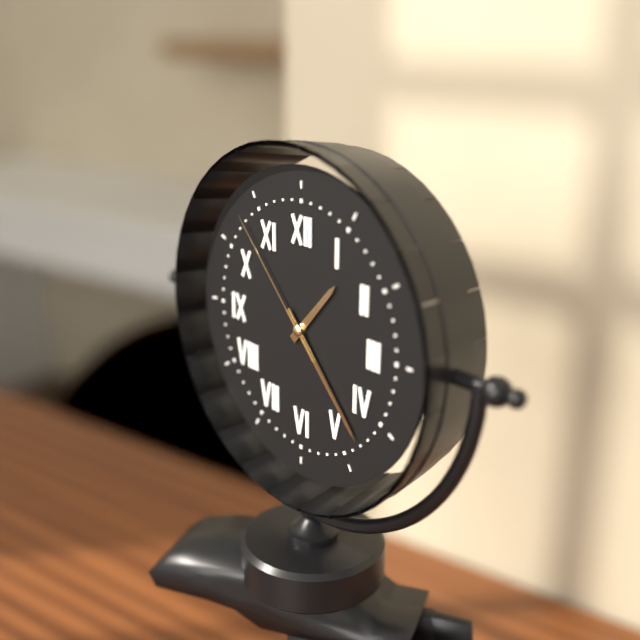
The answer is 1:23:53
